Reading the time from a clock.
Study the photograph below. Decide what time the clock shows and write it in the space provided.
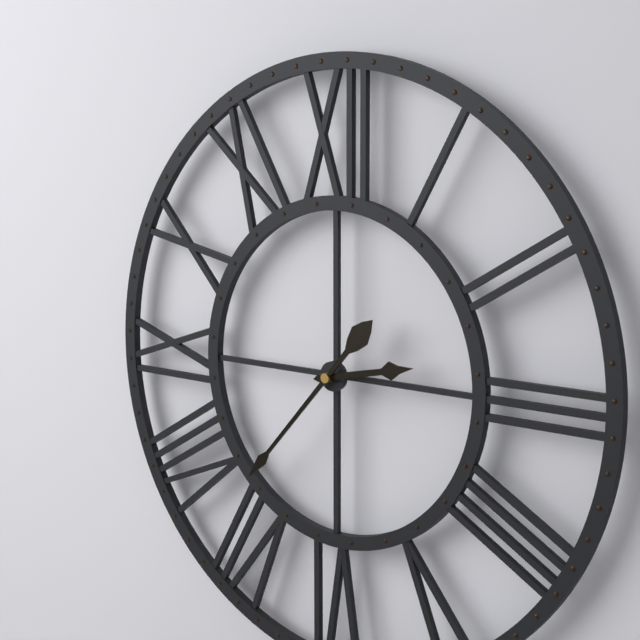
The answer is 2:37
